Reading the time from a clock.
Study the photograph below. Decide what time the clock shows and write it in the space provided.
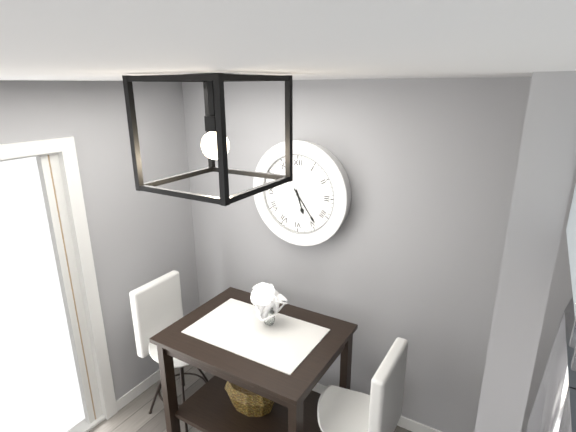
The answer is 5:24
